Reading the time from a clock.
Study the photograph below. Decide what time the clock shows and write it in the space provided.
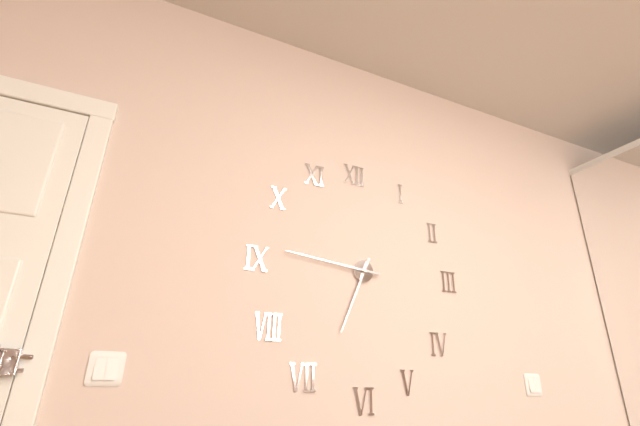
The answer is 6:46
